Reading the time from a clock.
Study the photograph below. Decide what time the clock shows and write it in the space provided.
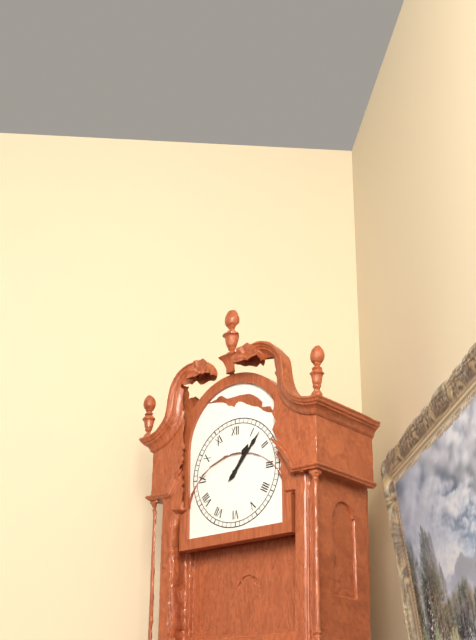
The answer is 1:07
